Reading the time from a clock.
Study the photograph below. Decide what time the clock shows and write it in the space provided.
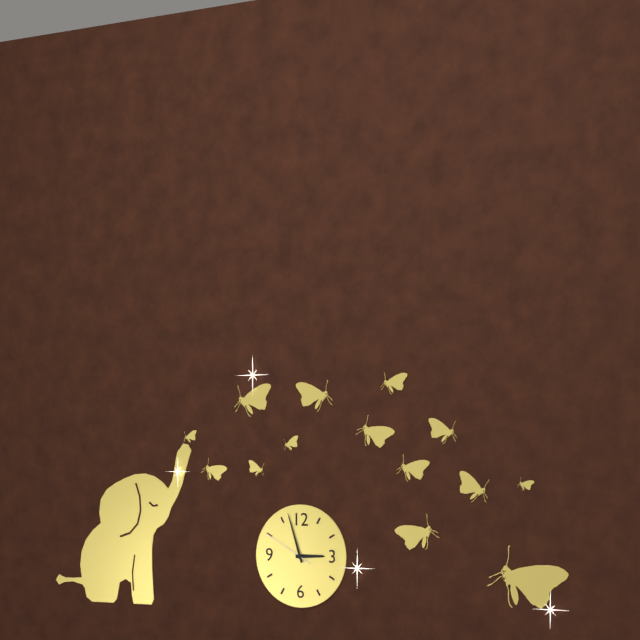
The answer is 2:57:50
